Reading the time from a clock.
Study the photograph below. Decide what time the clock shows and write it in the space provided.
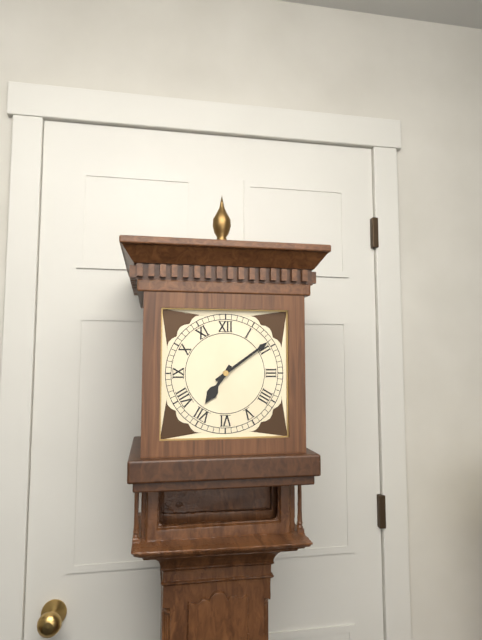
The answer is 7:09
